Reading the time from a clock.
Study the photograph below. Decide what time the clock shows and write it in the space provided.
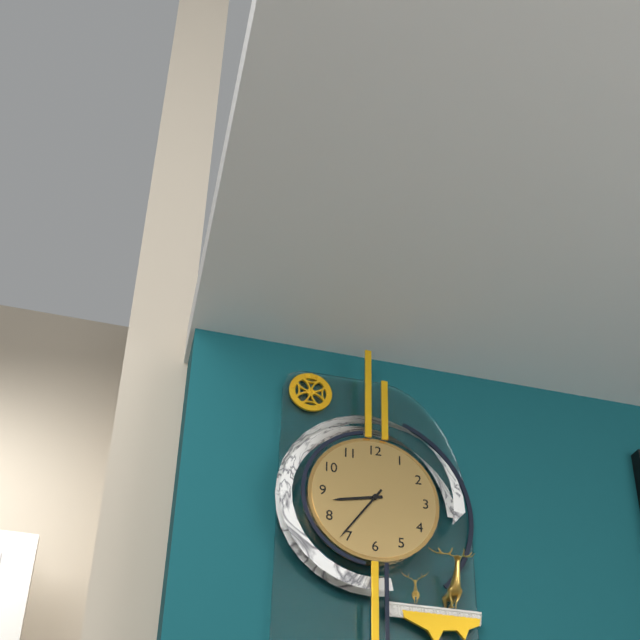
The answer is 8:36
